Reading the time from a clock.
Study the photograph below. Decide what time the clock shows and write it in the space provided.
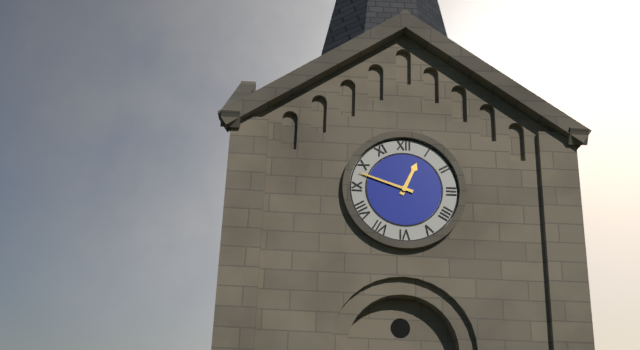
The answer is 12:48
